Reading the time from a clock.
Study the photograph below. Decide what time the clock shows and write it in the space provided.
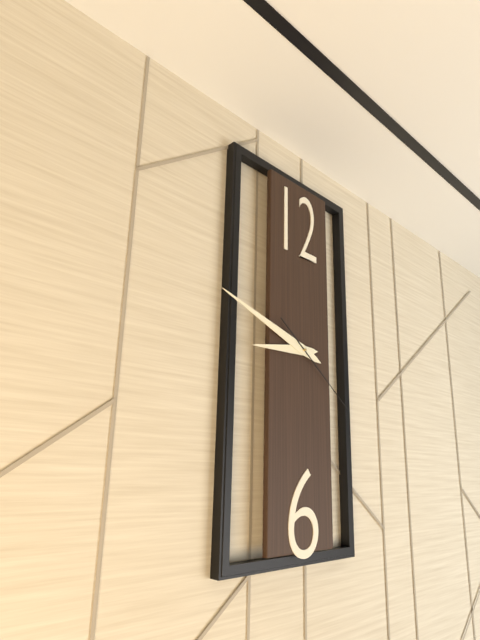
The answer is 8:48:21
